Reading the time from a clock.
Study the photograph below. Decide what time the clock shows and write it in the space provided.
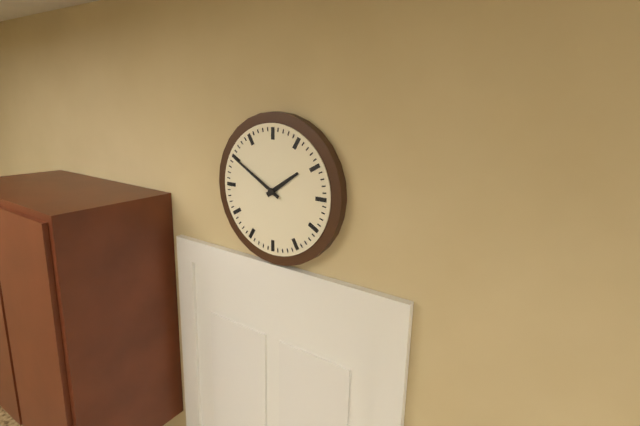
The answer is 1:50
